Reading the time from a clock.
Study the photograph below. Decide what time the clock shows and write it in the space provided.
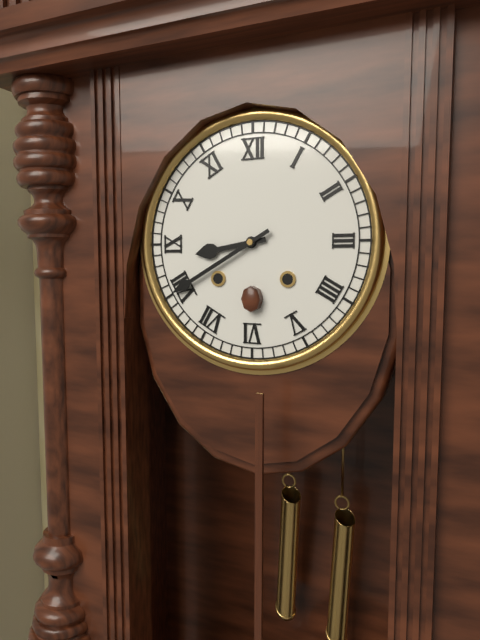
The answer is 8:40
